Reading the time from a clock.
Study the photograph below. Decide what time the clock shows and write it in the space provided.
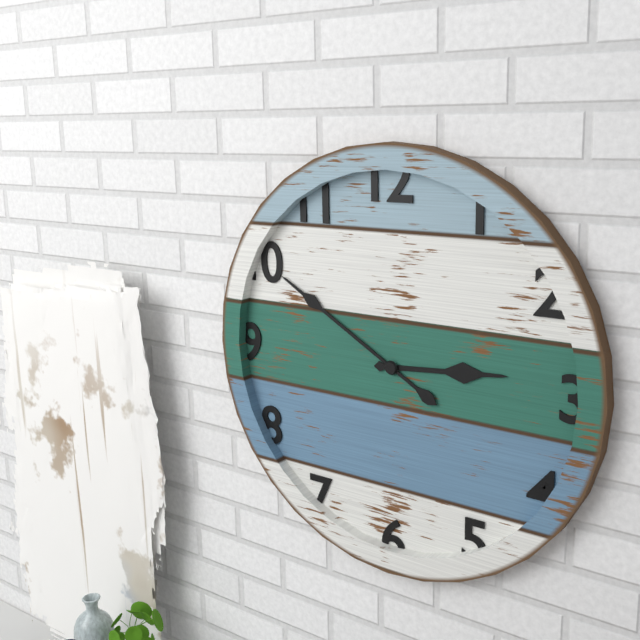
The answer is 2:50
